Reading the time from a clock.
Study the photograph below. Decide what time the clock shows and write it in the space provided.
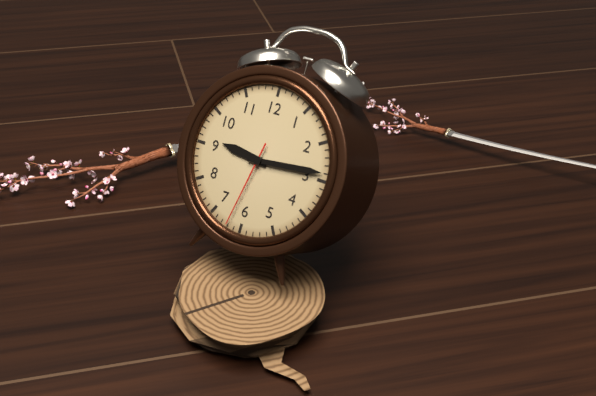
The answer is 9:14:32
